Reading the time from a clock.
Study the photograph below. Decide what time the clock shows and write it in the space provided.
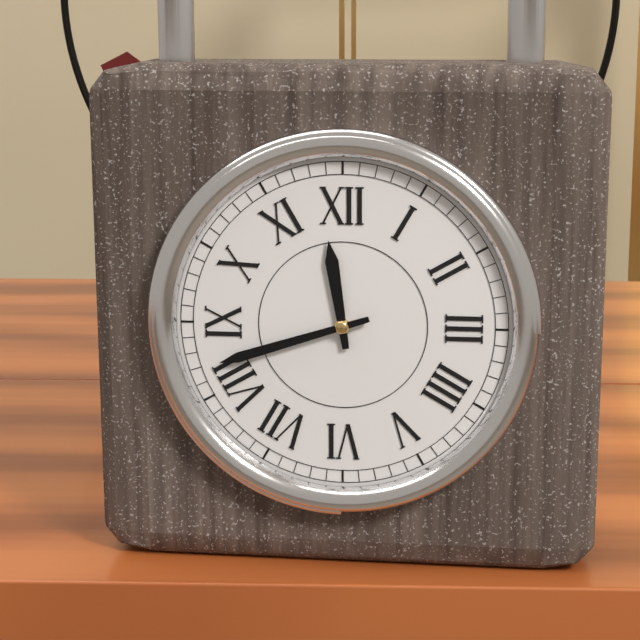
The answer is 11:42
